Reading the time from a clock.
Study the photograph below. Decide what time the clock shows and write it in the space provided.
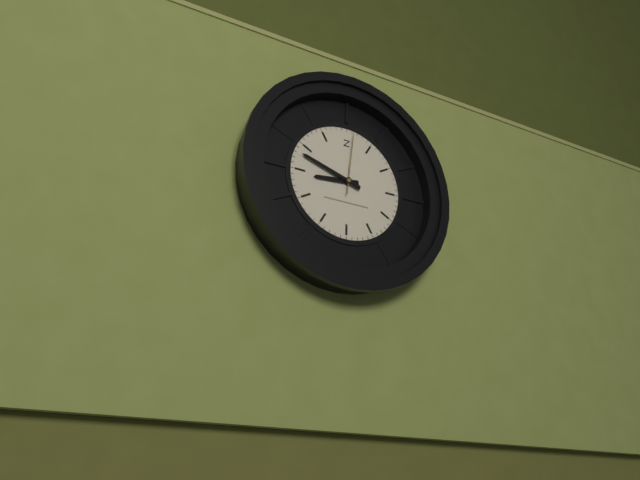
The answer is 8:48:01
